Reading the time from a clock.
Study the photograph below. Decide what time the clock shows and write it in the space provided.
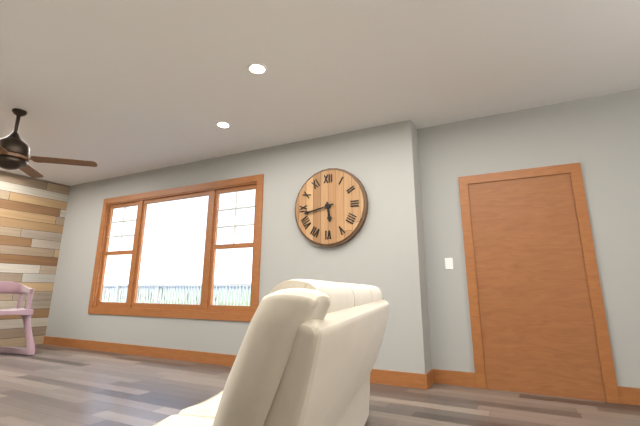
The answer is 5:43
